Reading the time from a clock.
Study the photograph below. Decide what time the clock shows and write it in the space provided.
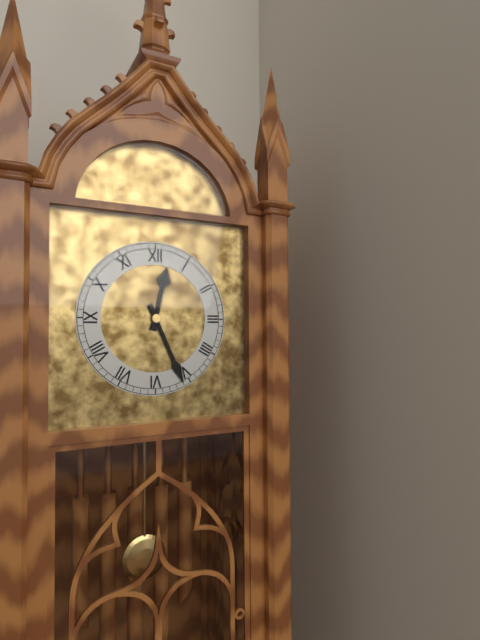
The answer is 12:26
